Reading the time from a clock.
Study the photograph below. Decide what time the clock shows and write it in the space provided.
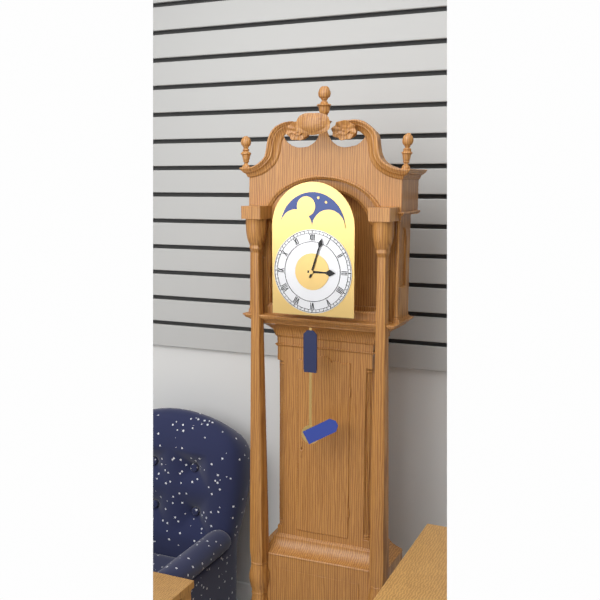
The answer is 3:03
